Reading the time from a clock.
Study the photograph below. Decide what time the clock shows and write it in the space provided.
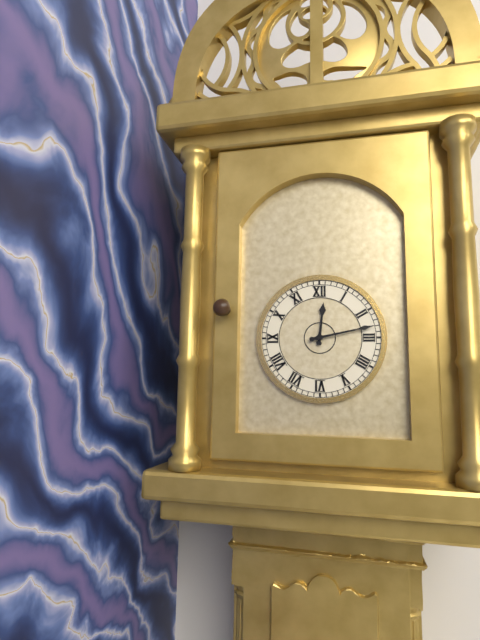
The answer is 12:13
